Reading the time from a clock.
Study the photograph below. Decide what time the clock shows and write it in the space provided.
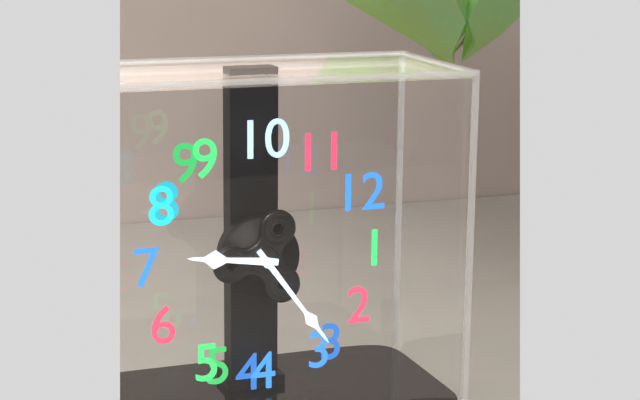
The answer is 7:14
